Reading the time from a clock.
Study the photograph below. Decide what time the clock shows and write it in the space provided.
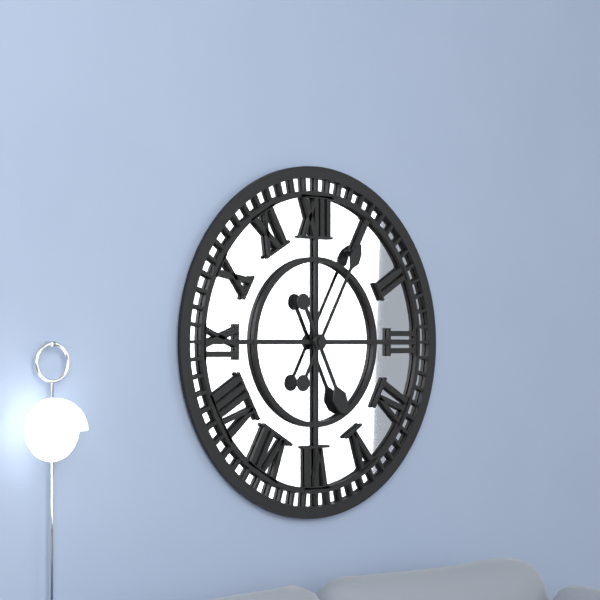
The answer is 5:05
